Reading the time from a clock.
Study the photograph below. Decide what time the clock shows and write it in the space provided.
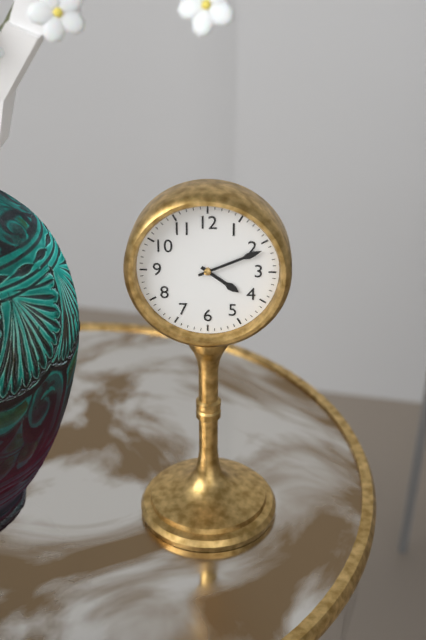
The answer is 4:11
